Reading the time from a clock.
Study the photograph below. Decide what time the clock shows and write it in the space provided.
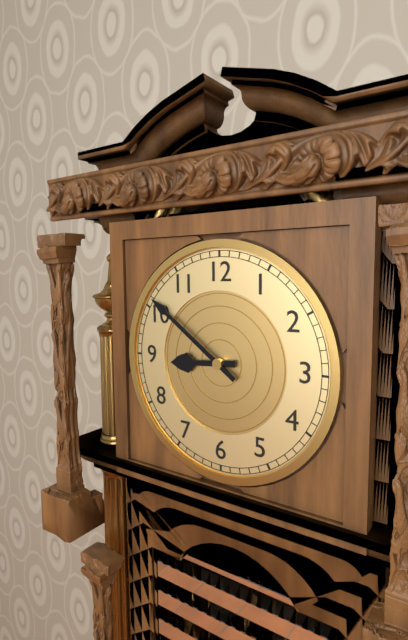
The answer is 8:51
